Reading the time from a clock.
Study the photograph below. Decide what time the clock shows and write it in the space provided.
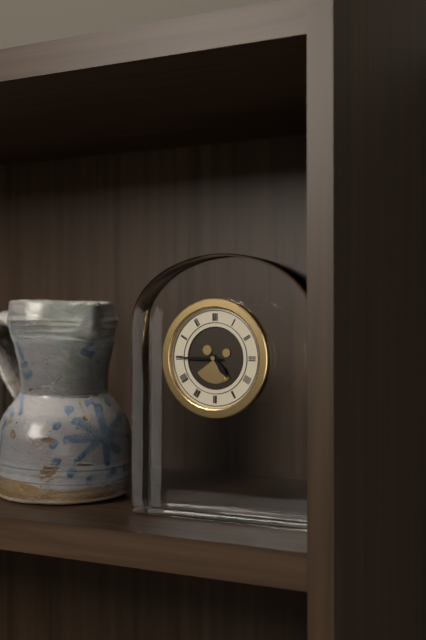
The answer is 4:45
